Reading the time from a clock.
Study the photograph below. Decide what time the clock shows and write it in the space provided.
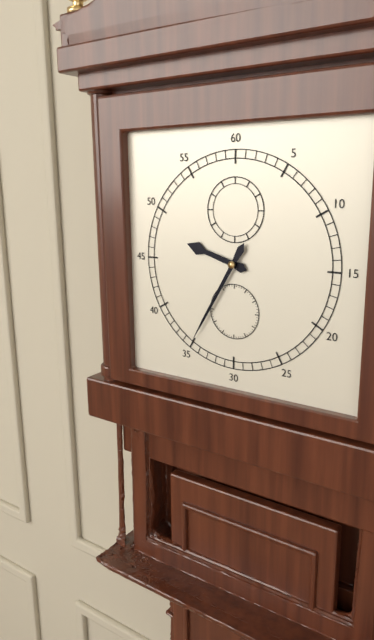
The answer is 9:35
